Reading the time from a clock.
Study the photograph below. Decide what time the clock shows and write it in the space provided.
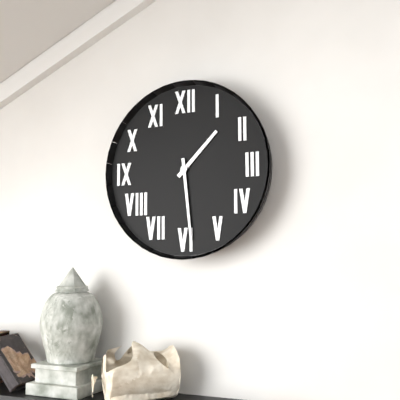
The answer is 1:29
